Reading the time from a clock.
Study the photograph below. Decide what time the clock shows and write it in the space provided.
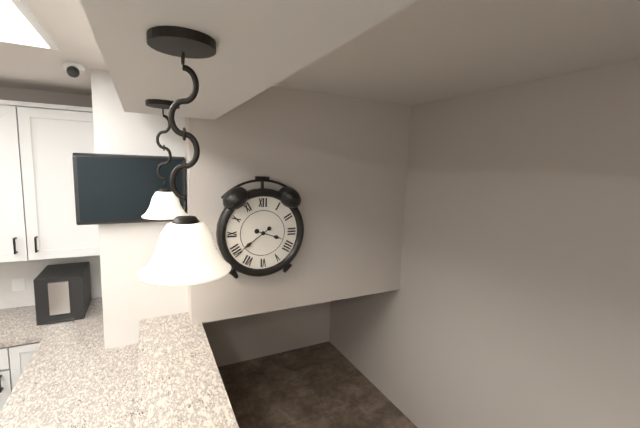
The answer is 3:39
